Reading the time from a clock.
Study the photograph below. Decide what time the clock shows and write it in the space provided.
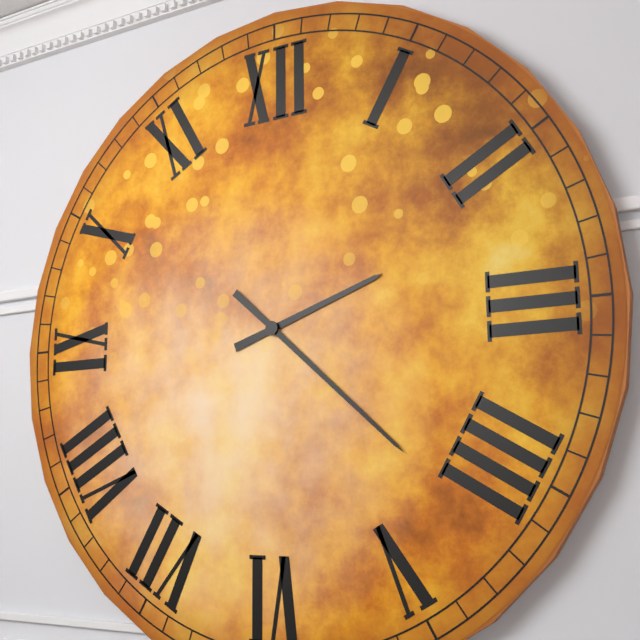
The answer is 2:22
